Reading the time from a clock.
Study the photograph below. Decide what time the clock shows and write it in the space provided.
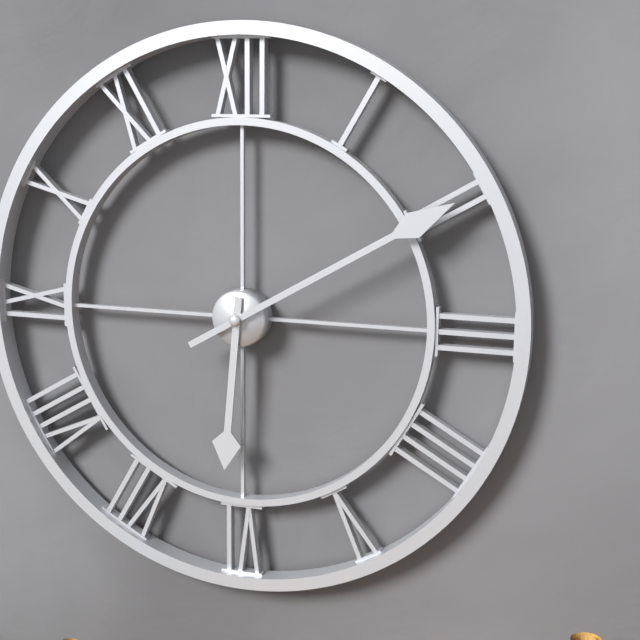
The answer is 6:10
